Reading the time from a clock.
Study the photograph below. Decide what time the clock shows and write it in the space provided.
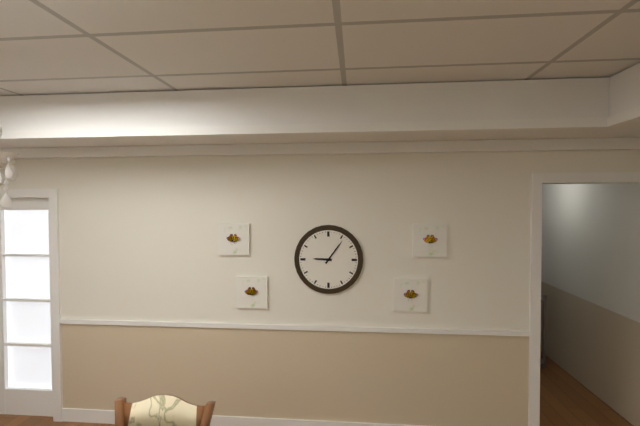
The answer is 9:06
